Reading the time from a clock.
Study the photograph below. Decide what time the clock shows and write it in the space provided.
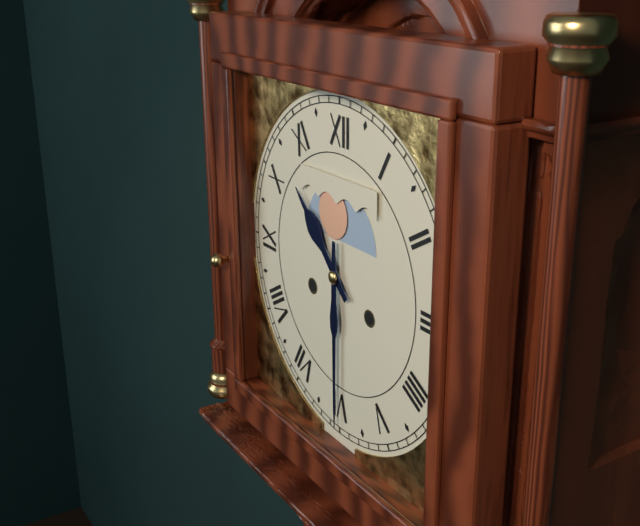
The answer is 10:30
